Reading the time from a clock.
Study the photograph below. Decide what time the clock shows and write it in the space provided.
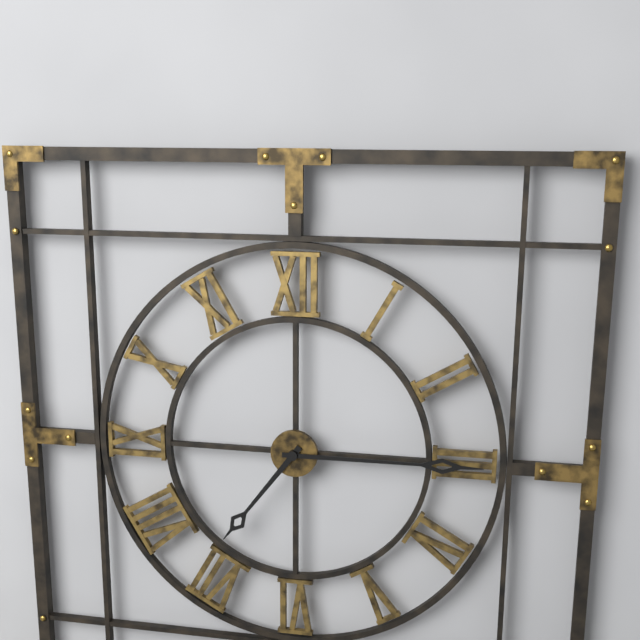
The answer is 7:15
